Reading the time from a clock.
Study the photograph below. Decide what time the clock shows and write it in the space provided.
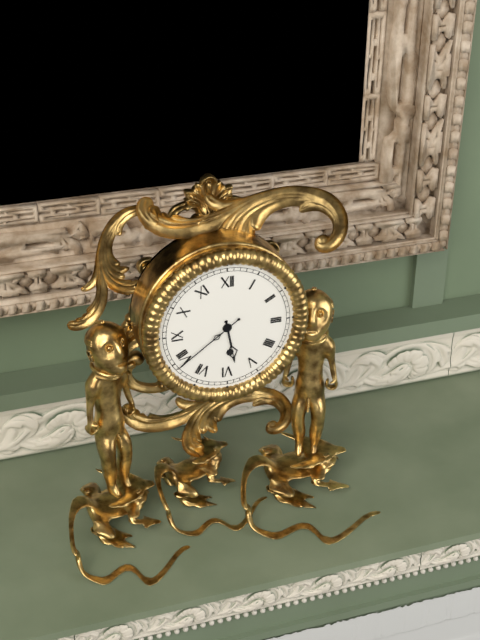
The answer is 5:39
